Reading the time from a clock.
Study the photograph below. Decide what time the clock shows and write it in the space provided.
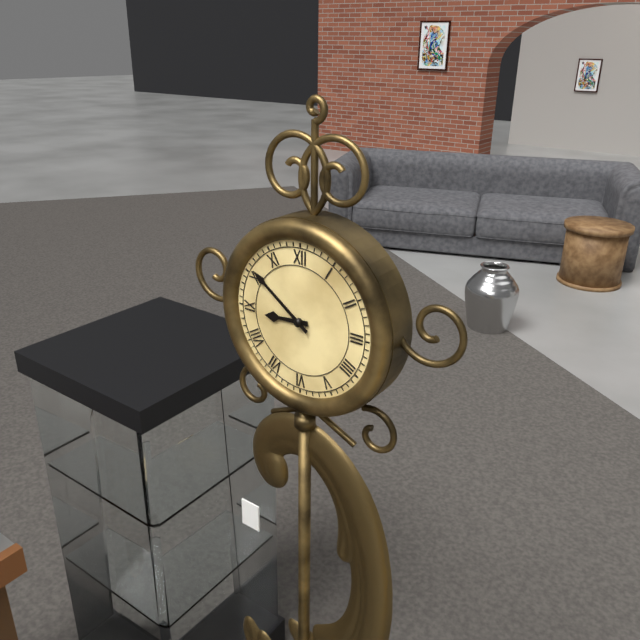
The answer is 8:51
